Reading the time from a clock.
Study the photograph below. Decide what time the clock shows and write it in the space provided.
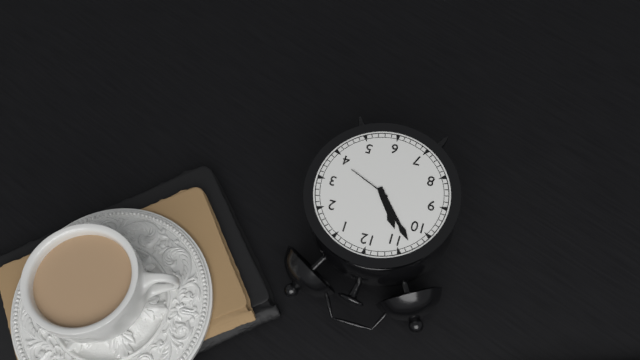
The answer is 10:53:19
